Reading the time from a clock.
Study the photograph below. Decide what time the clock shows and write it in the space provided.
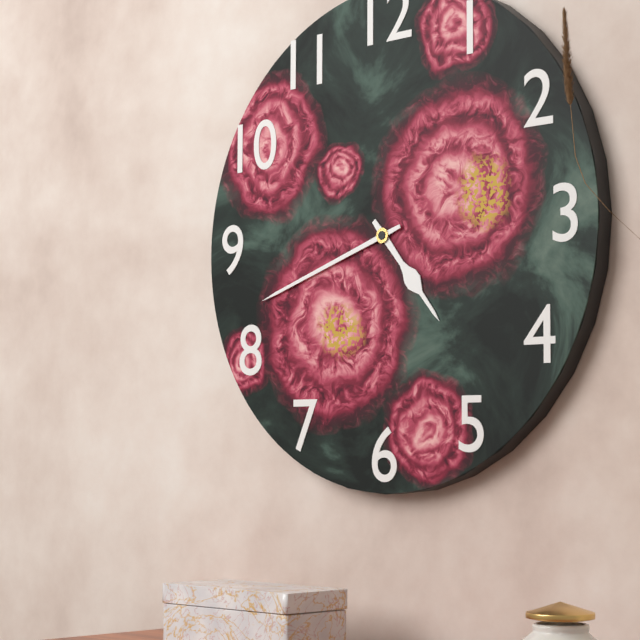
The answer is 4:42
